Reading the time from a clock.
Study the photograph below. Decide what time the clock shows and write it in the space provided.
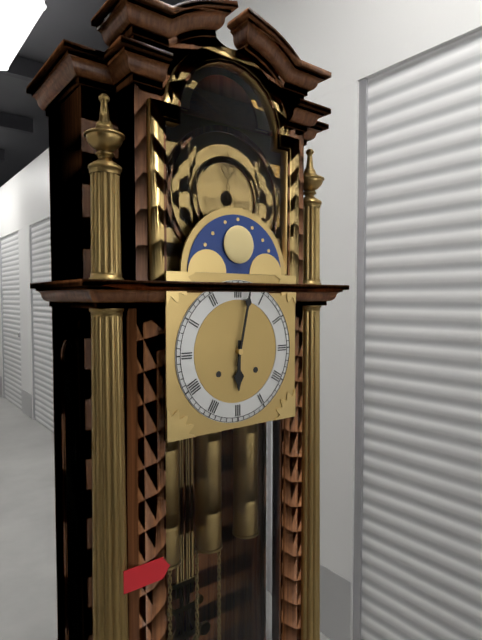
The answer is 6:02
